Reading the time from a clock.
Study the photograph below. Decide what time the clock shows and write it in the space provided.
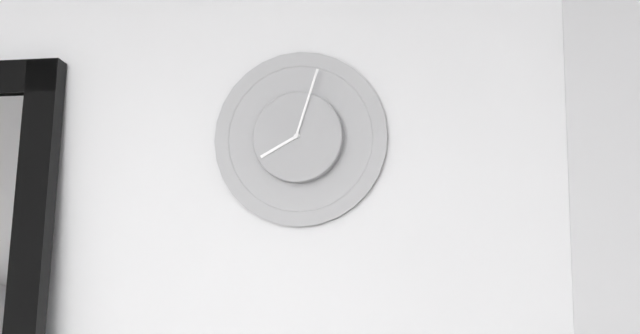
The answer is 8:03
